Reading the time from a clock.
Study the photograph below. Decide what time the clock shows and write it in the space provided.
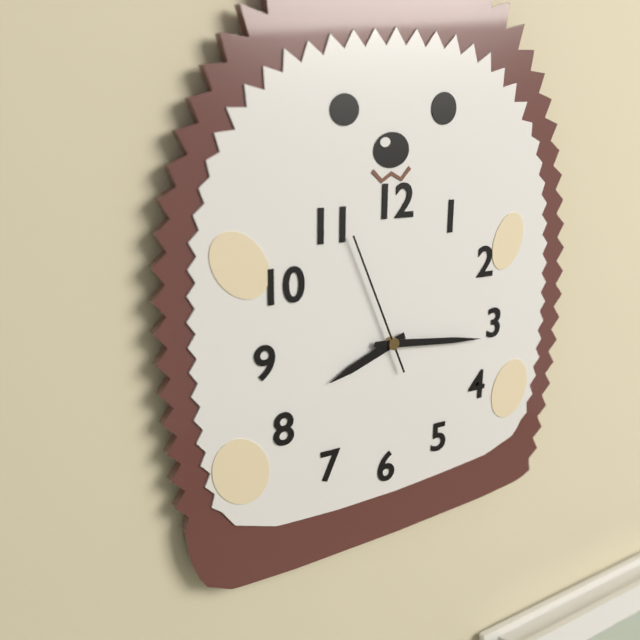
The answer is 8:16:56
